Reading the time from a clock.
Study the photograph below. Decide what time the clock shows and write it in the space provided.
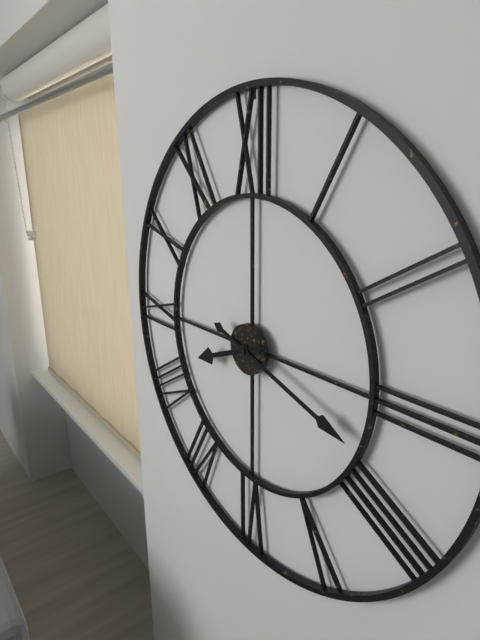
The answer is 8:18
